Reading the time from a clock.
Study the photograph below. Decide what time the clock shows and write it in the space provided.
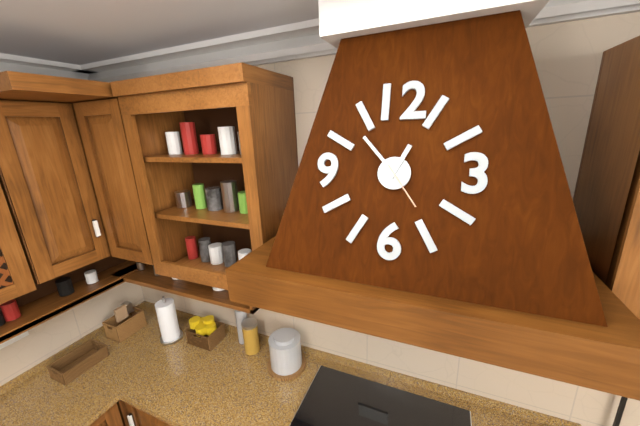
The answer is 12:53:24
